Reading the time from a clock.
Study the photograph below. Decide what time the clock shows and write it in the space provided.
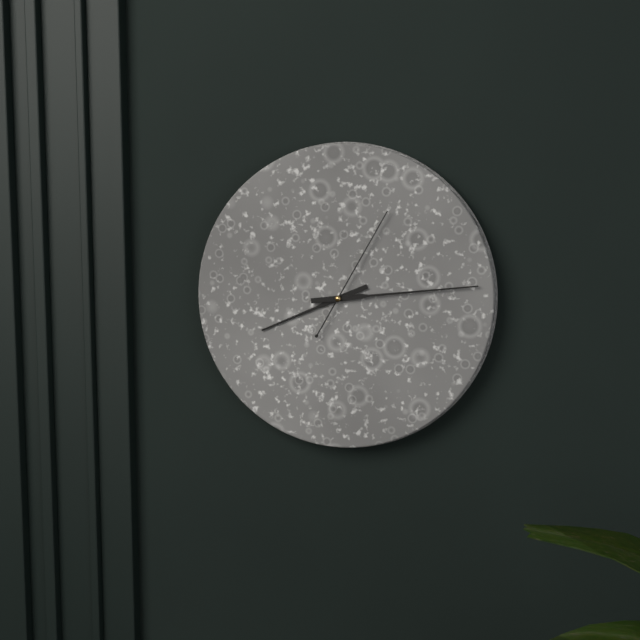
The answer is 8:14:05
